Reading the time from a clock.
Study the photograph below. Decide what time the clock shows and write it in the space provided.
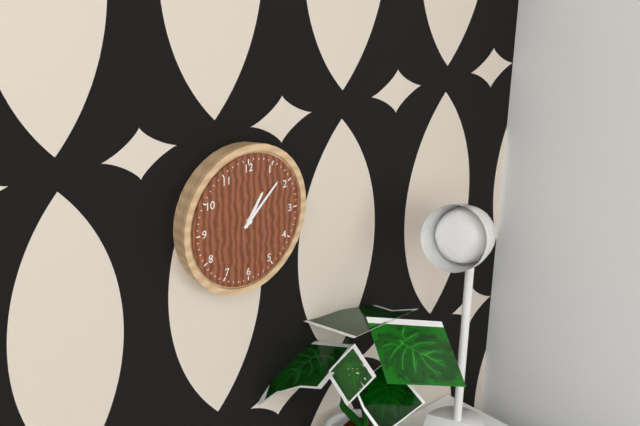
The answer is 1:08
